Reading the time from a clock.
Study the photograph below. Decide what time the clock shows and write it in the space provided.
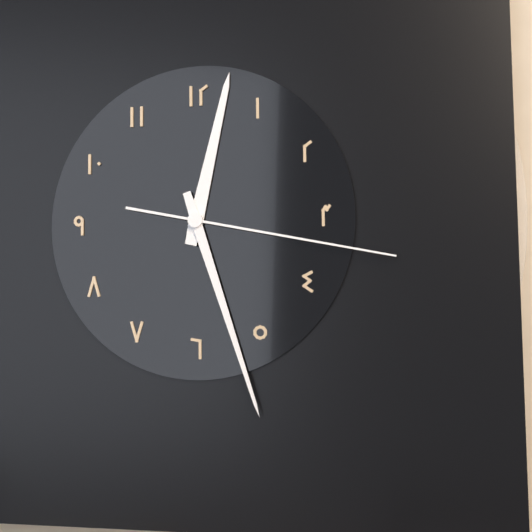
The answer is 12:27:17
